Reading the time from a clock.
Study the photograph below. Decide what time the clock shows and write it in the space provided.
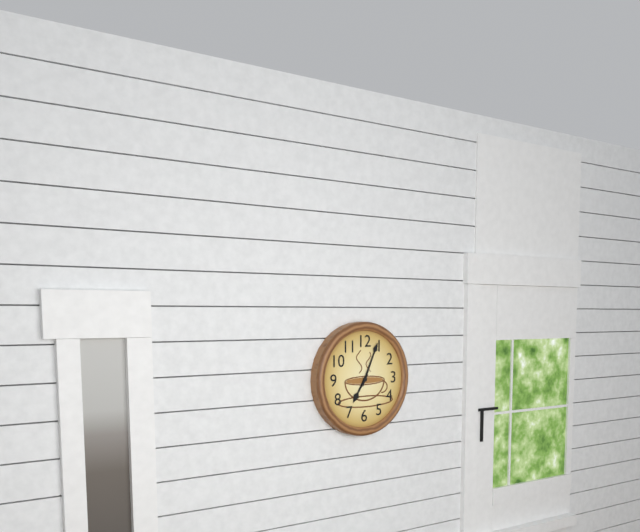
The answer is 7:04
